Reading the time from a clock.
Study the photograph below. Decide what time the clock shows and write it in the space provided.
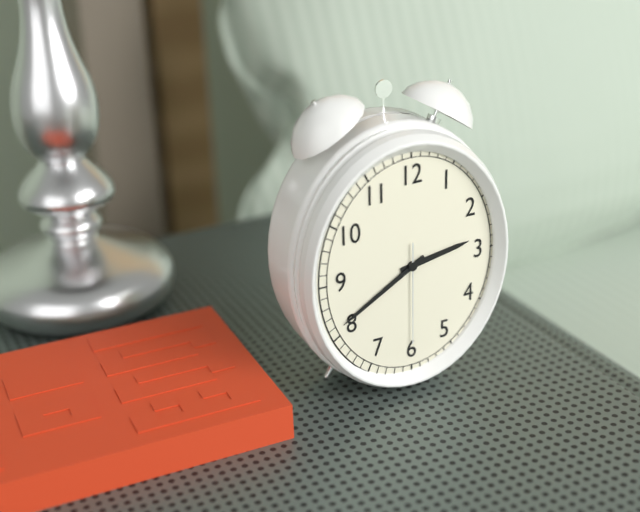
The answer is 2:40:30
